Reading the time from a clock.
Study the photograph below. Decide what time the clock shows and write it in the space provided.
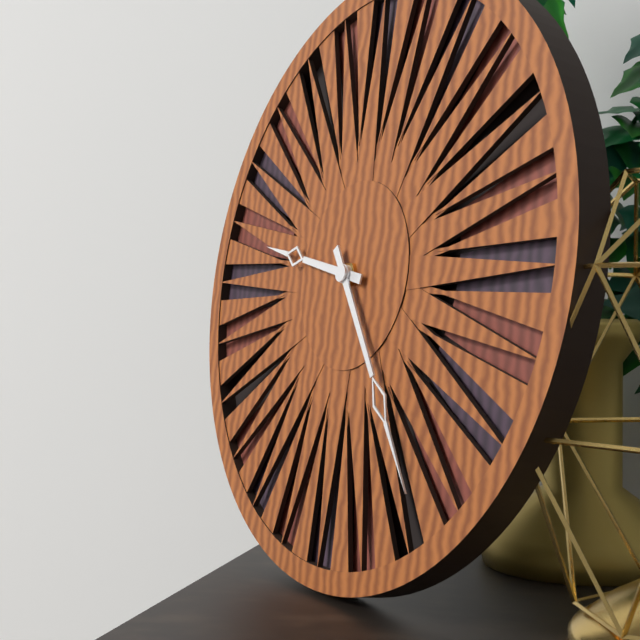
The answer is 9:24
